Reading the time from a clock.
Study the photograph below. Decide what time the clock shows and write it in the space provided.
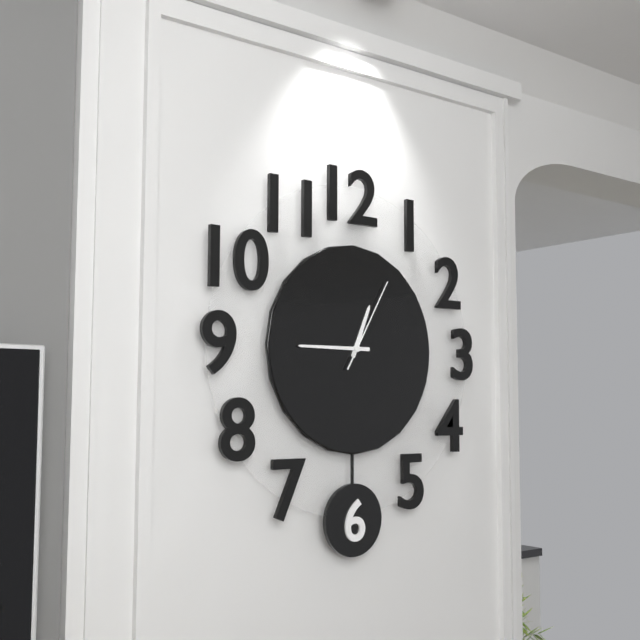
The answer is 12:45:05
